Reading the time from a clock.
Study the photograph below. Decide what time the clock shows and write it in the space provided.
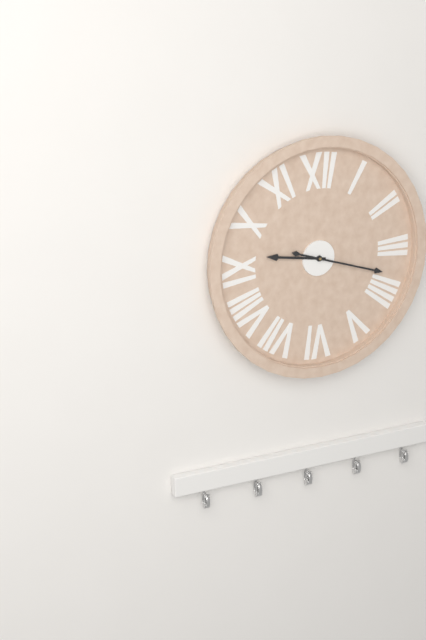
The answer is 9:18
